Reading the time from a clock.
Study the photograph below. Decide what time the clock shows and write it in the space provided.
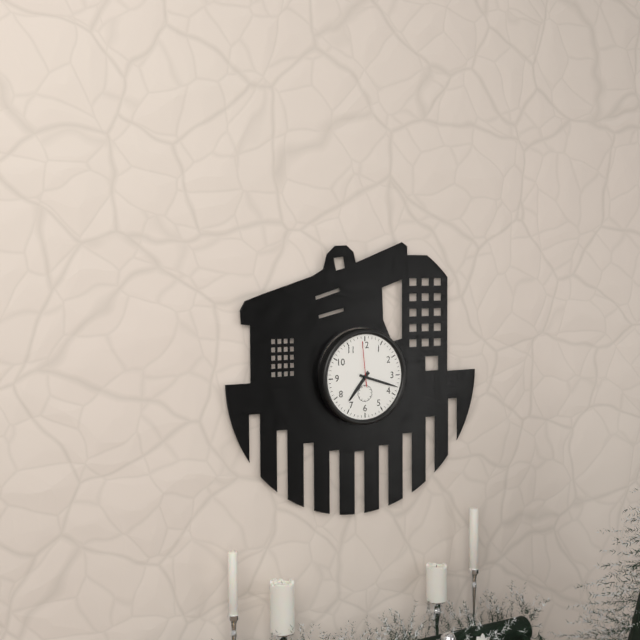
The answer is 7:18
